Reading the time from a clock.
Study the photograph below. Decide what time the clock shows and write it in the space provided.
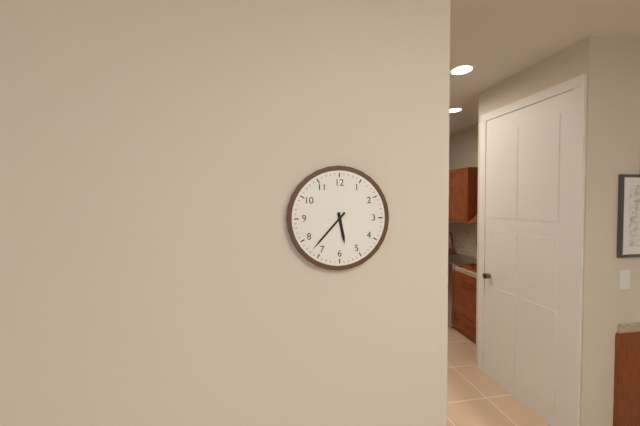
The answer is 5:37
